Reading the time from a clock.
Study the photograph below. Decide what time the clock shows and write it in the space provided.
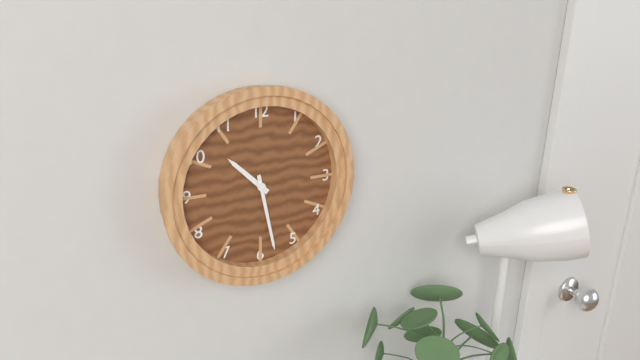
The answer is 10:28
